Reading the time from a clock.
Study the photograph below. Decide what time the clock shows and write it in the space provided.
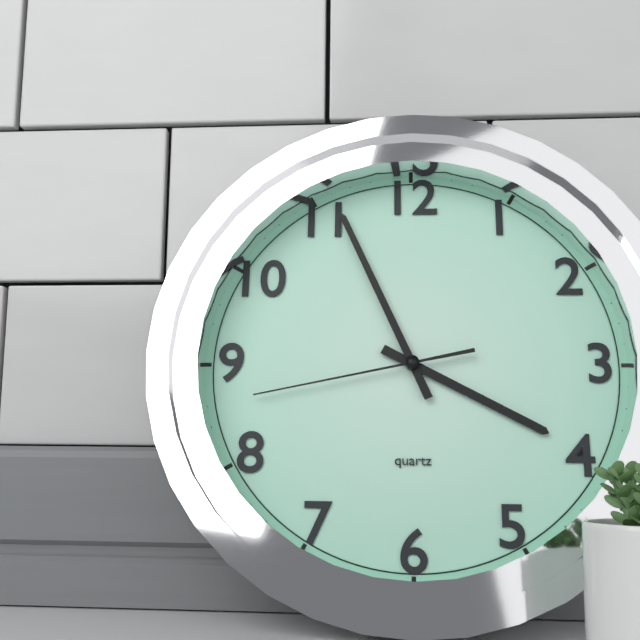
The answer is 3:56:43
